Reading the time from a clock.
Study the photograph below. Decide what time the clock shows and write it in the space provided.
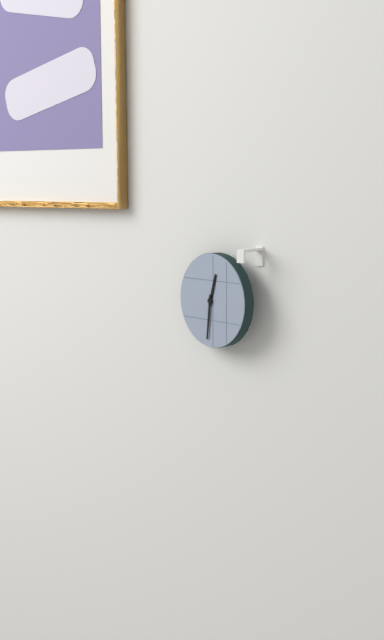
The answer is 12:31
